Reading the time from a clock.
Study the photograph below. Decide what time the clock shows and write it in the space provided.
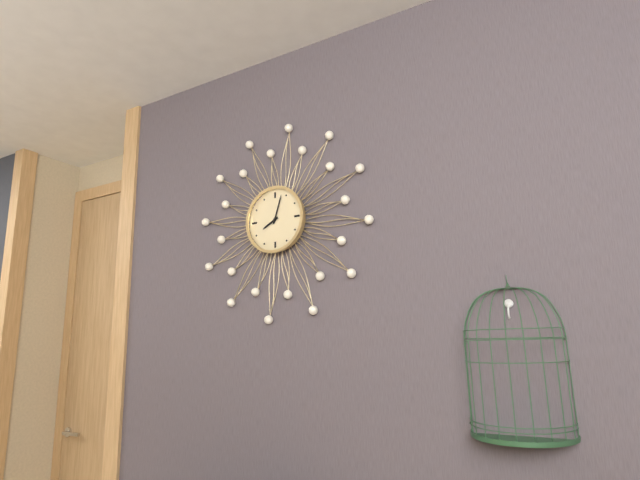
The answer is 8:03
